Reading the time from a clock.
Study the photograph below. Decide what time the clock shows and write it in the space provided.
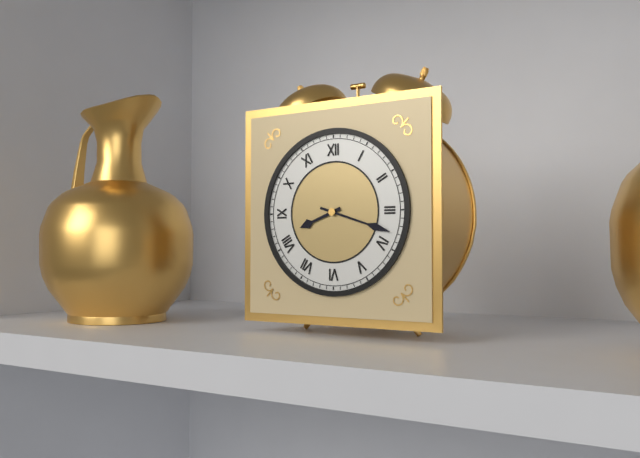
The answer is 8:18
